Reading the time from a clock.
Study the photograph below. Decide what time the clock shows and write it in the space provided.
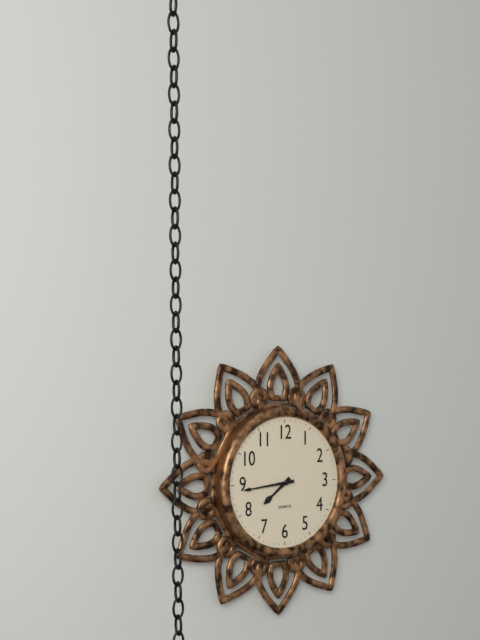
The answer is 7:44
